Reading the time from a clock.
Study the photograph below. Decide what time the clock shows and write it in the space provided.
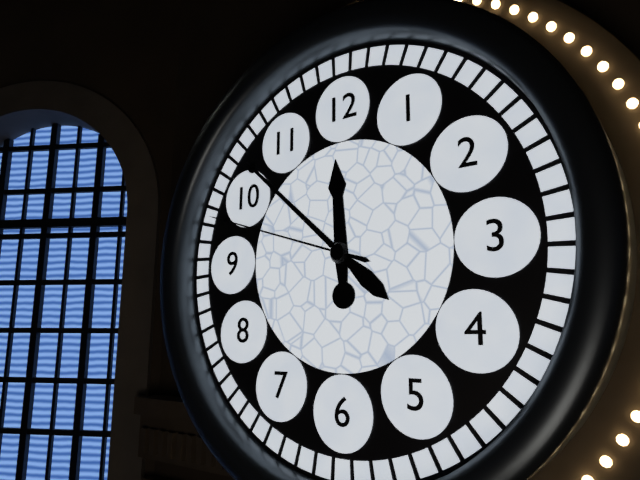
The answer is 11:52:48
